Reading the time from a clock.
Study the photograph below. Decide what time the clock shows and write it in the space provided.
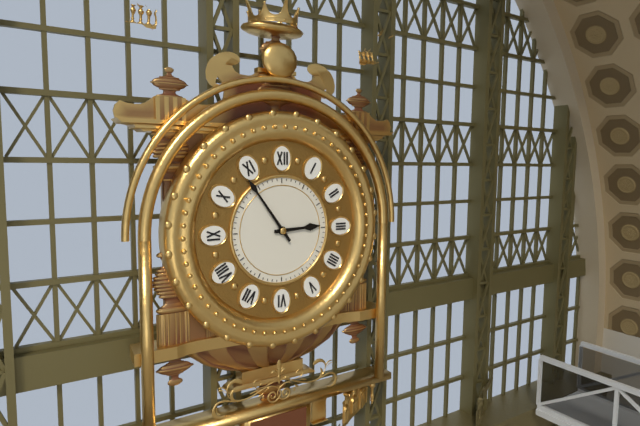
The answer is 2:54
